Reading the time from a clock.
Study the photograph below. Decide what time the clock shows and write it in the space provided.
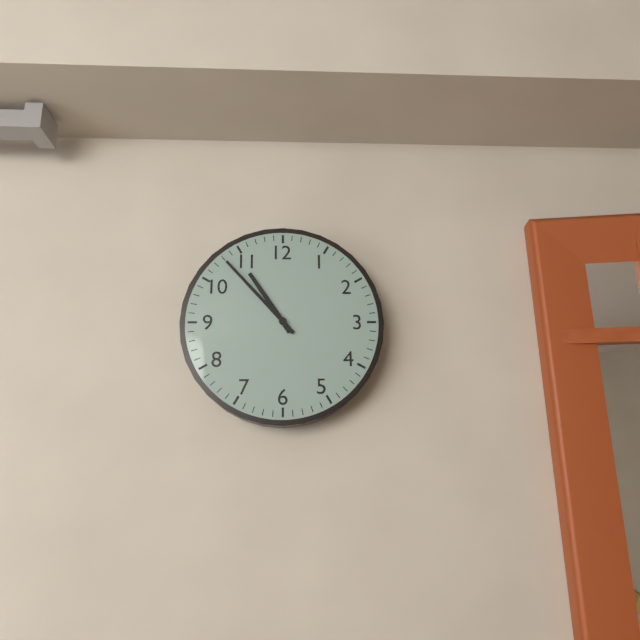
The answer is 10:53
